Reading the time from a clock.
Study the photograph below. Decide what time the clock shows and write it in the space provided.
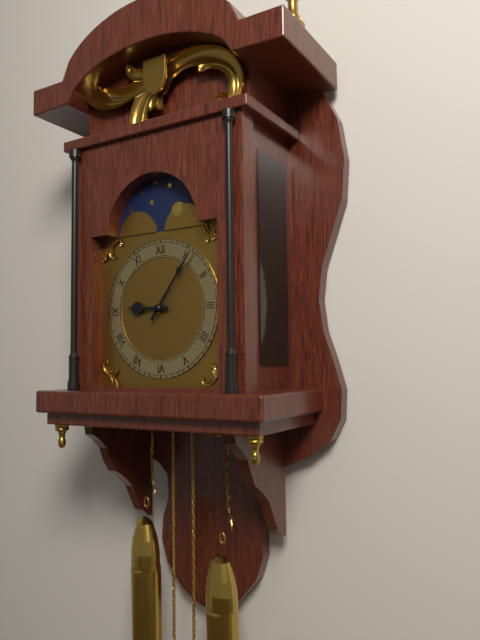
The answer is 9:06
